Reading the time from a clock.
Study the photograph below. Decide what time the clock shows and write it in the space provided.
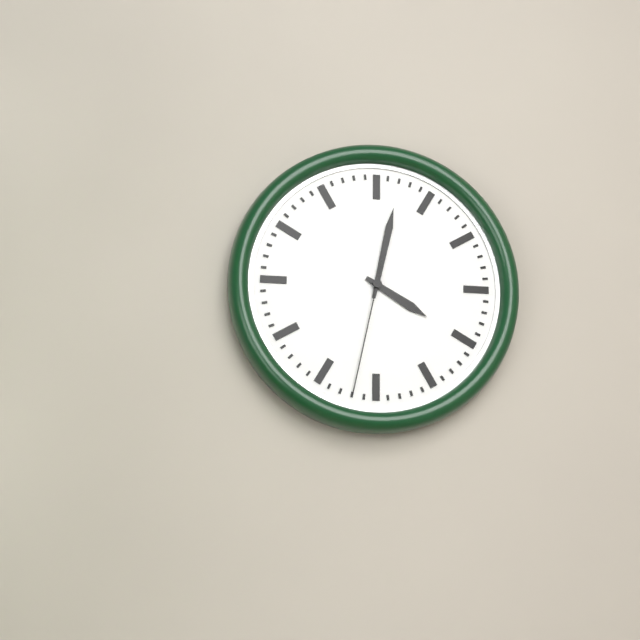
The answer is 4:02:32
